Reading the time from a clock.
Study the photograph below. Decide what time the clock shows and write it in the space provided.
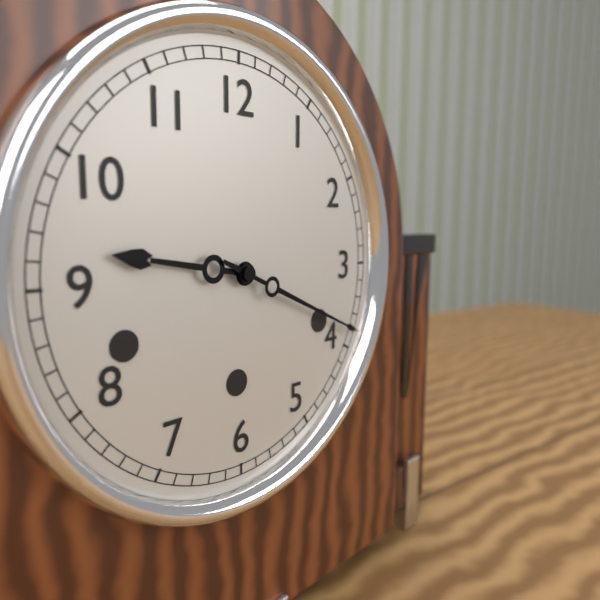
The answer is 9:19
